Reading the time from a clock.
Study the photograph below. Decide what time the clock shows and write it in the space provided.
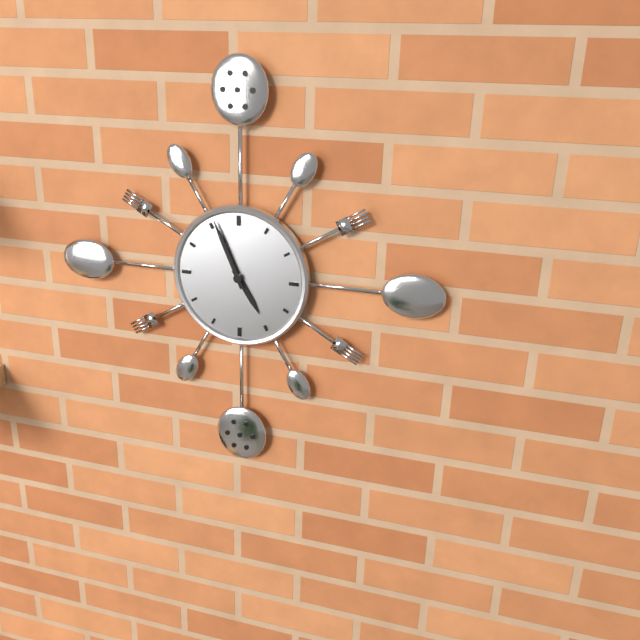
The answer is 4:56
